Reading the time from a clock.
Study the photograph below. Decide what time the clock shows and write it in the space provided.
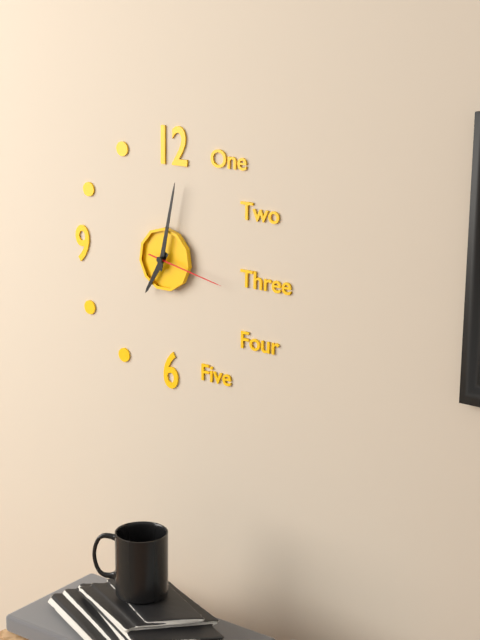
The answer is 7:02:17
